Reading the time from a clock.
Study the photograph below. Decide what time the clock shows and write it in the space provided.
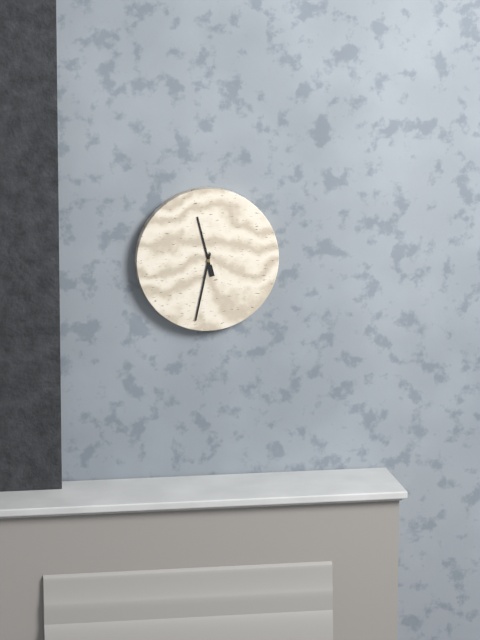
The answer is 11:32
